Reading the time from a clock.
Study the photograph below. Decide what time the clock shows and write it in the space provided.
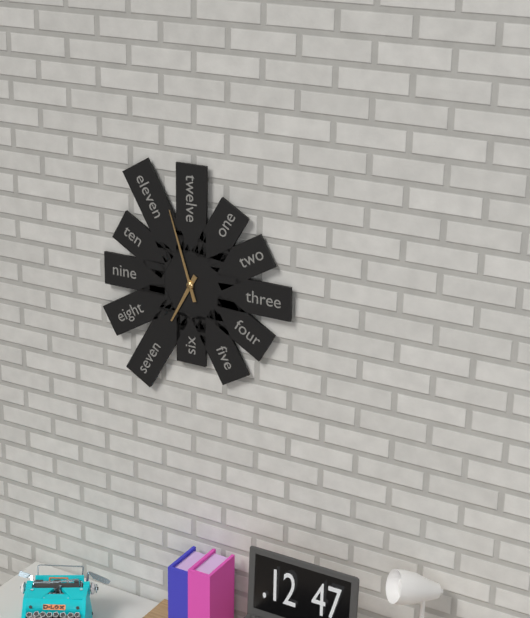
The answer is 6:57
